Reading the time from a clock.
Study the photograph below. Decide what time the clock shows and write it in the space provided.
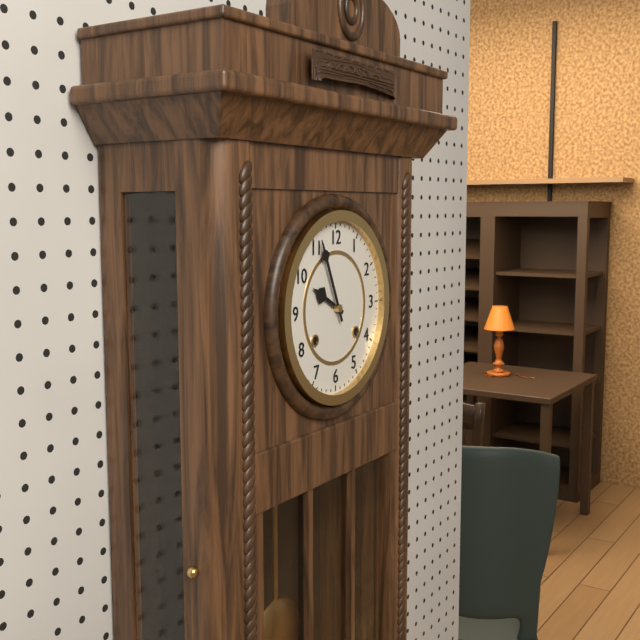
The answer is 9:56
